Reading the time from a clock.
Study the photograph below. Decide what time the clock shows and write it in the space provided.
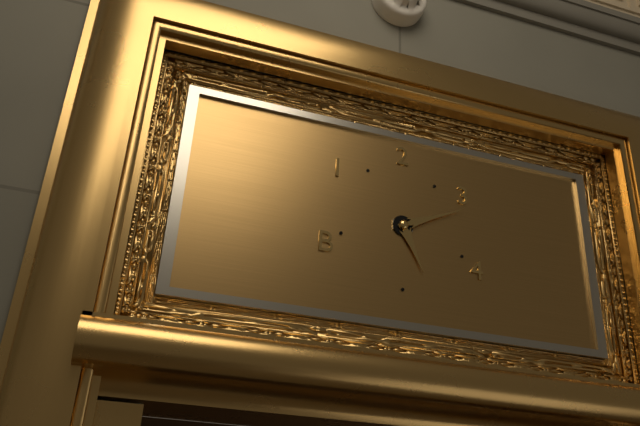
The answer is 5:11
